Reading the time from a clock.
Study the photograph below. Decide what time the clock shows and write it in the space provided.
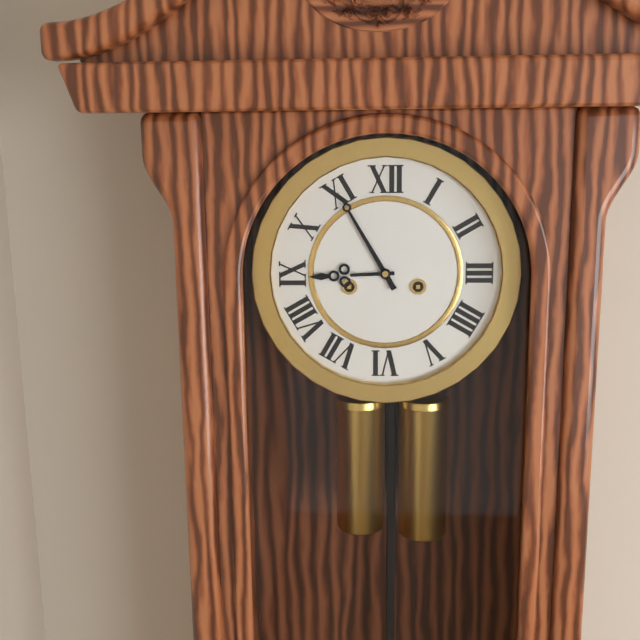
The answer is 8:55
